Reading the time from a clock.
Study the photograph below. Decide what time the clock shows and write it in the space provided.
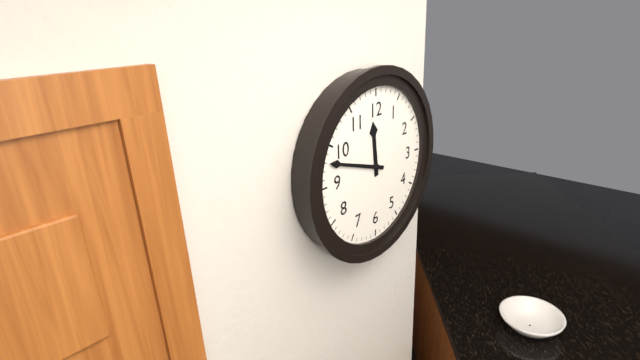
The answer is 11:48
